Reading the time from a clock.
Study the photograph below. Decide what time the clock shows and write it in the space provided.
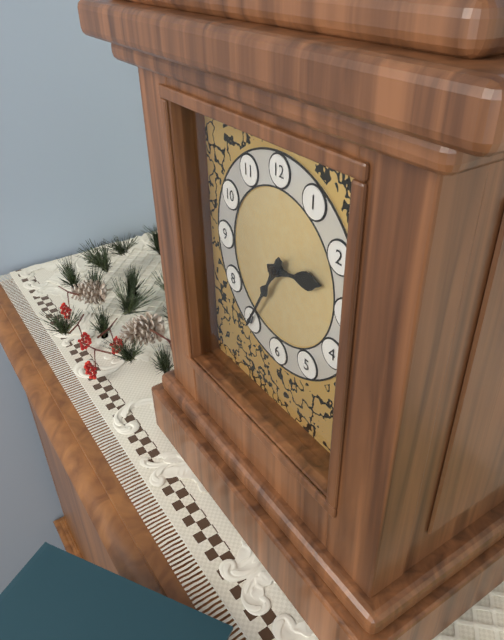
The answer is 2:35
